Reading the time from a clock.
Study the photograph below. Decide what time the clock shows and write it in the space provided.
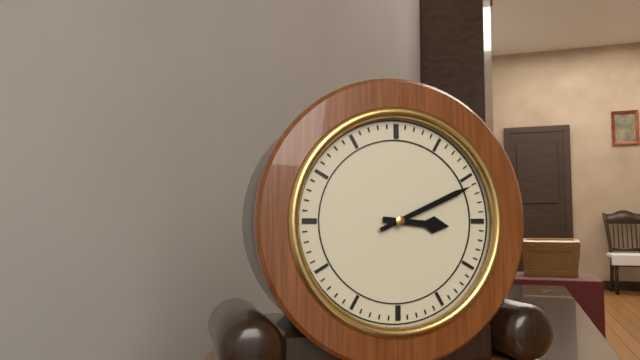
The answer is 3:11
